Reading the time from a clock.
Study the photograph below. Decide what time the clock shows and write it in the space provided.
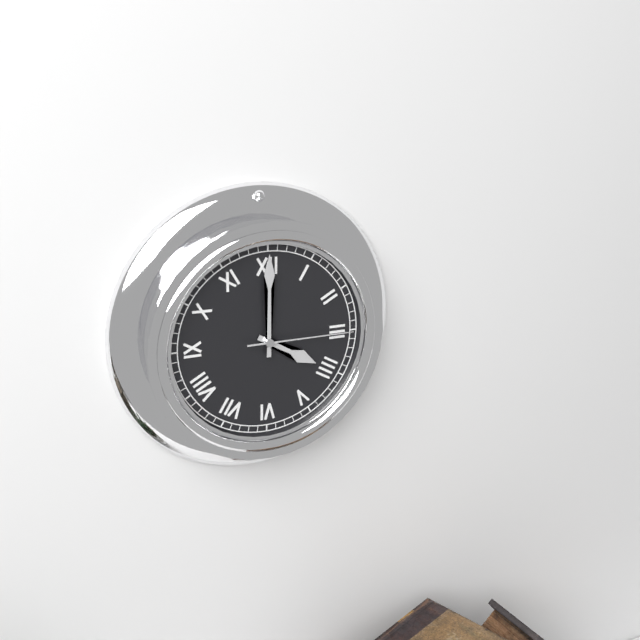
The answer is 4:00:15
